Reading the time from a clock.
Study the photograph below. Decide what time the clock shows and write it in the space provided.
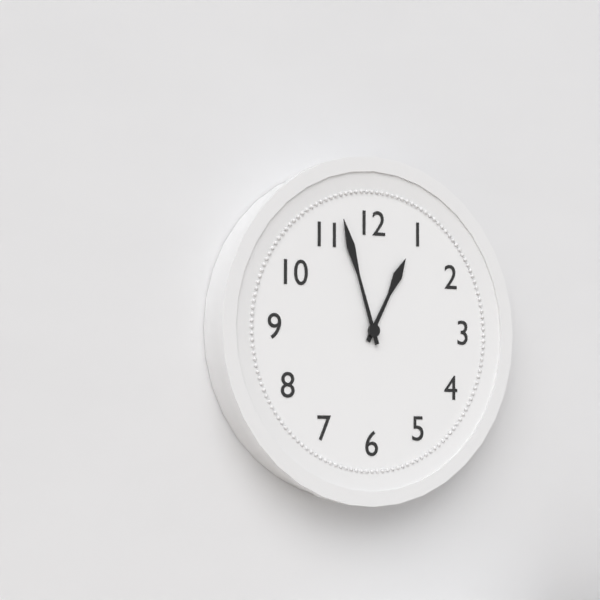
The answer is 12:57
